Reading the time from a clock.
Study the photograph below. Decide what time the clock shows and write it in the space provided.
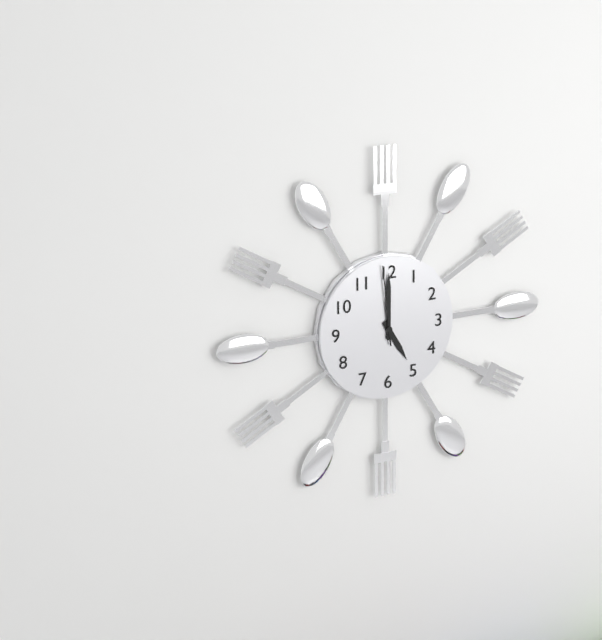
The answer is 5:00:59
